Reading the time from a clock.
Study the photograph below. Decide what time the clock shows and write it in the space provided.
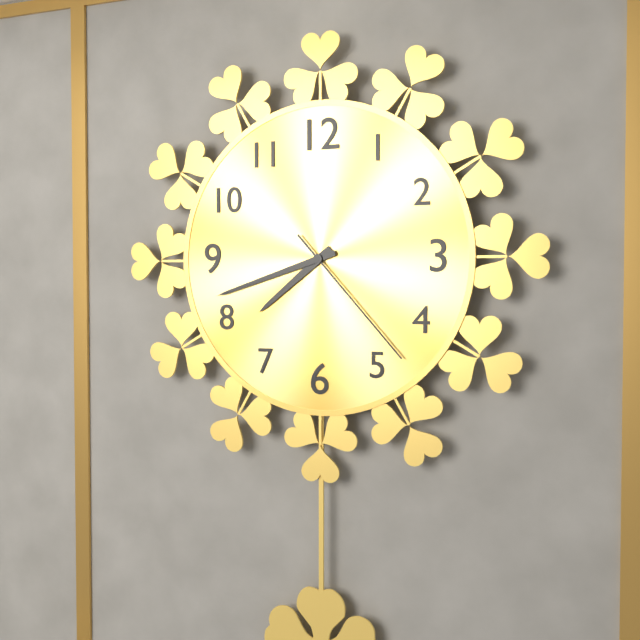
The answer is 7:42:23
